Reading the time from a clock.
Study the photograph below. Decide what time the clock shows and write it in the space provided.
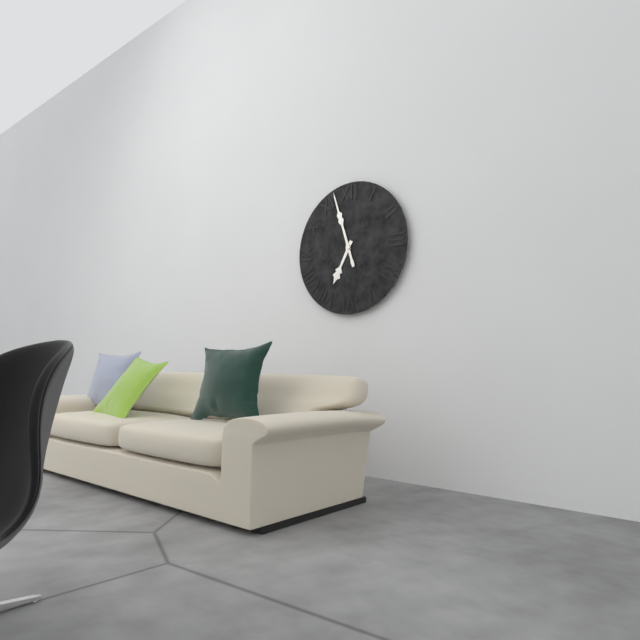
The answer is 6:57
